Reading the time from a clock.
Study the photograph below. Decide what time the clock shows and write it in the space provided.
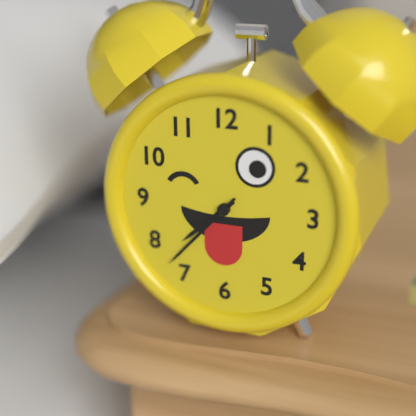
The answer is 7:37
